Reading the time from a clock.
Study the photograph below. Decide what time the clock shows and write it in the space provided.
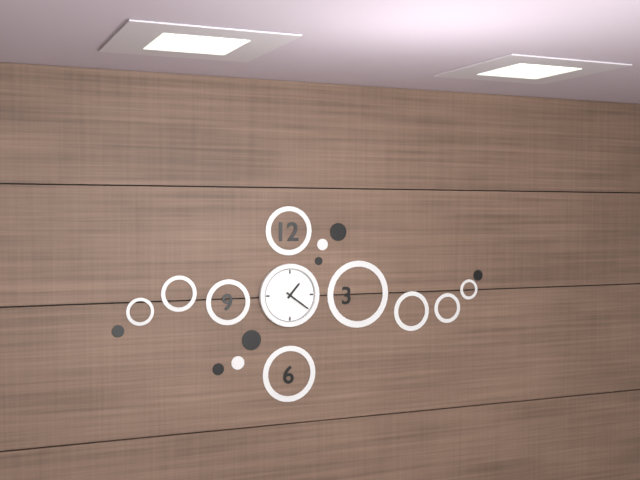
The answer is 1:21
